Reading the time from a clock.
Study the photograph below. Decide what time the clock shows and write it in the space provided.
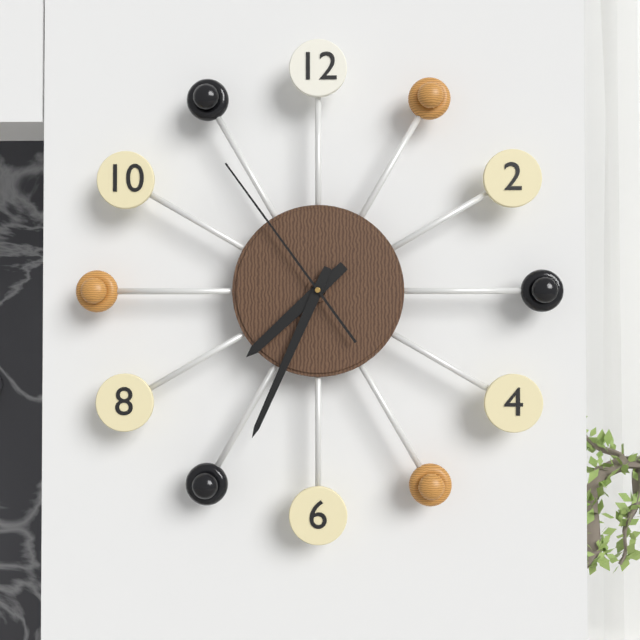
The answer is 7:34:54
